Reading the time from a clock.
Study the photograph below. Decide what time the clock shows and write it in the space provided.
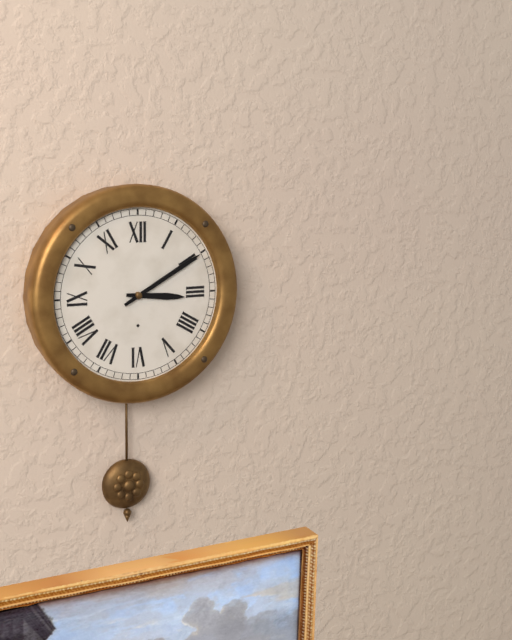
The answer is 3:10
